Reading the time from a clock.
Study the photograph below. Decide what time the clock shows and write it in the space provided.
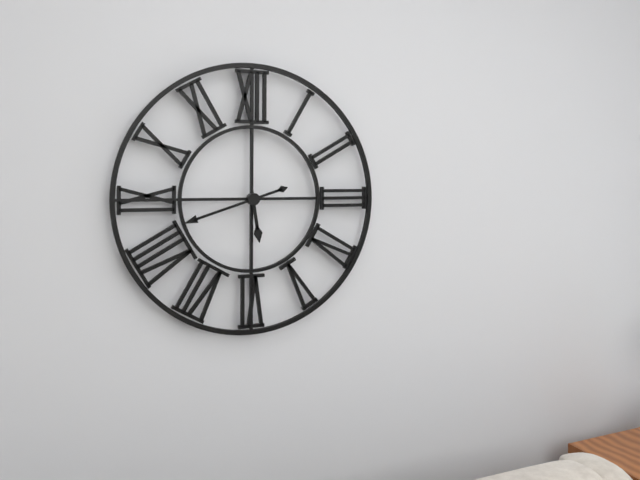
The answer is 5:42
